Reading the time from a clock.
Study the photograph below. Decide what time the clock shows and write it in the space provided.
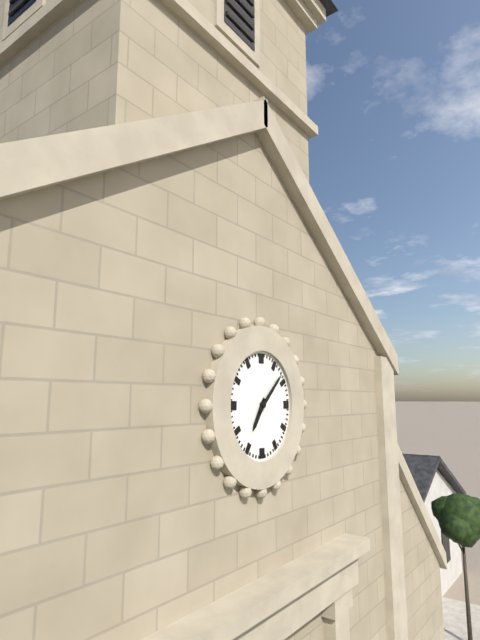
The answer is 7:08
